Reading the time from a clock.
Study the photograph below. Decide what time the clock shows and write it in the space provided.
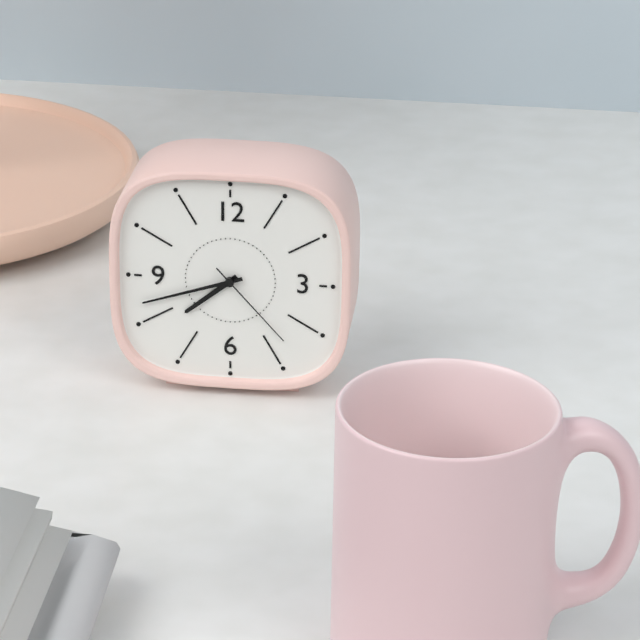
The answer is 7:42:23
